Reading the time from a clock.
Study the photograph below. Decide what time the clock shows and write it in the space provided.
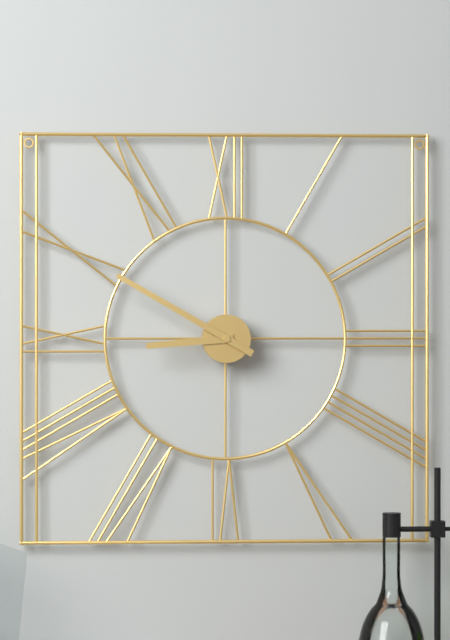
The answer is 8:50
